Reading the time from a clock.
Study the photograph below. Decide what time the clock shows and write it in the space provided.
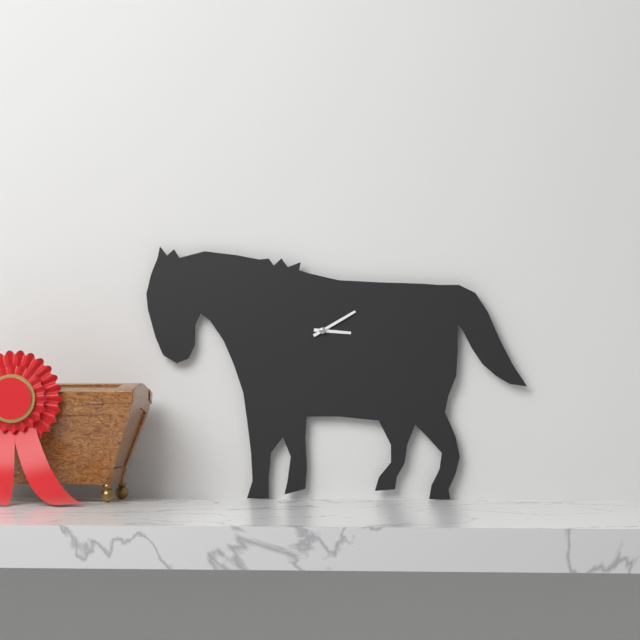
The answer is 3:10
